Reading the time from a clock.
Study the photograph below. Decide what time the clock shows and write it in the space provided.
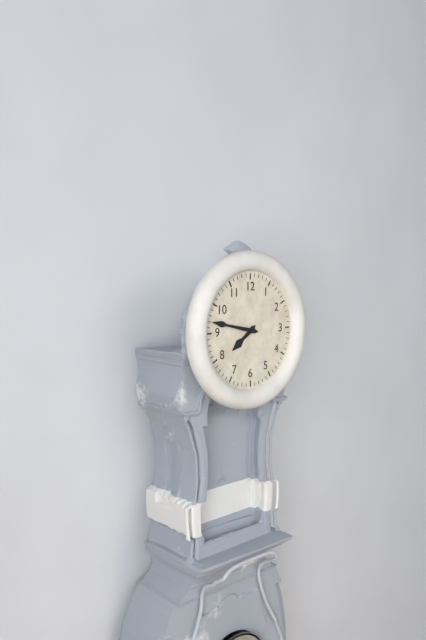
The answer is 7:47
